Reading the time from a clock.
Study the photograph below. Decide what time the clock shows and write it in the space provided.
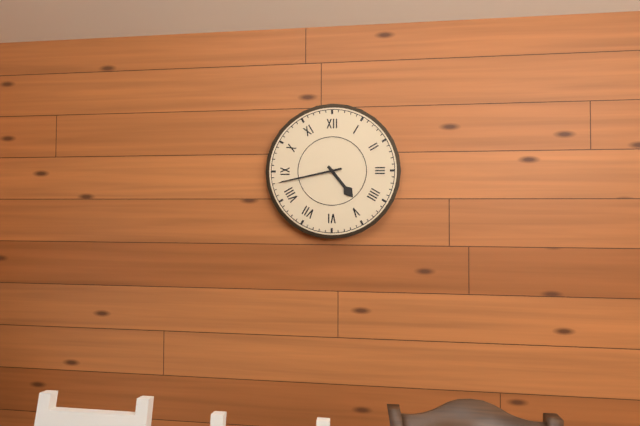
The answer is 4:43
